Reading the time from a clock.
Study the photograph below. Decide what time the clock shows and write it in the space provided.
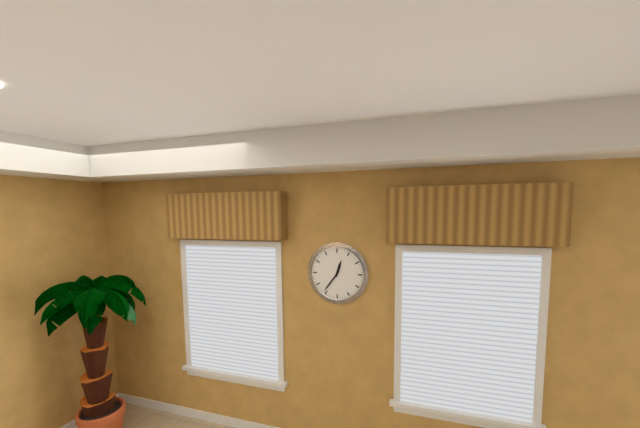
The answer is 12:36
